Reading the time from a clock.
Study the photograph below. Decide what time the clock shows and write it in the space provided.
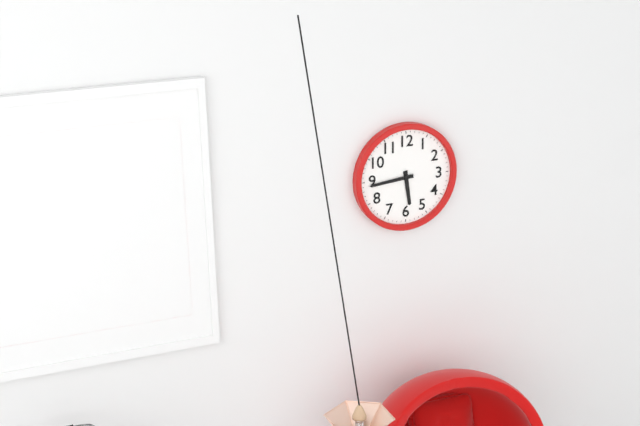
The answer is 5:44
